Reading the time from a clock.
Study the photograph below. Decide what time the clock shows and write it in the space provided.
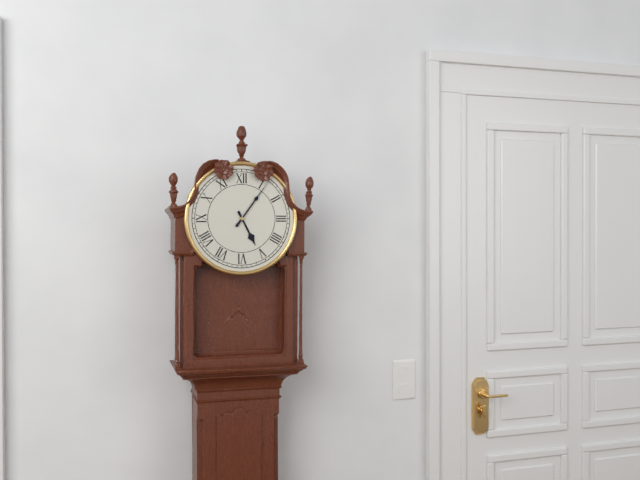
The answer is 5:06
